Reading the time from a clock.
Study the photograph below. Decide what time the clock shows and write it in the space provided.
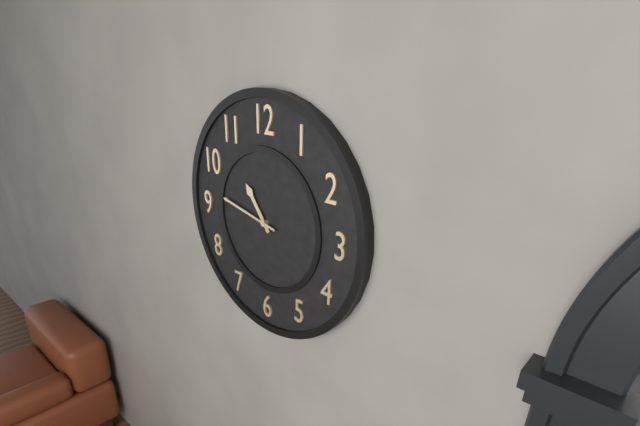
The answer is 10:47
